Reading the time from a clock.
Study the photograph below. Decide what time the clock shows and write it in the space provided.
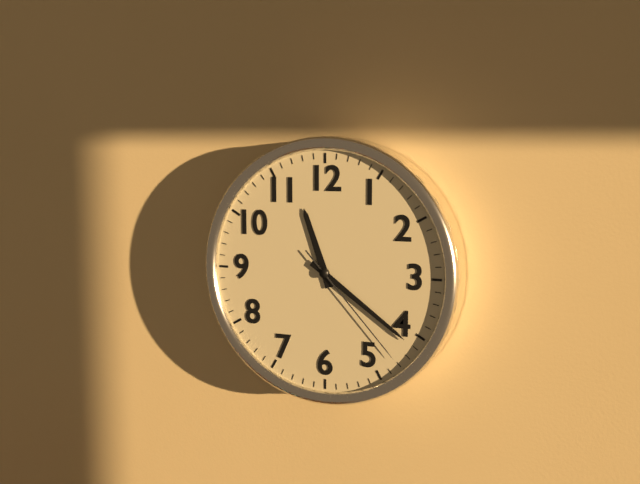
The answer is 11:21:23
